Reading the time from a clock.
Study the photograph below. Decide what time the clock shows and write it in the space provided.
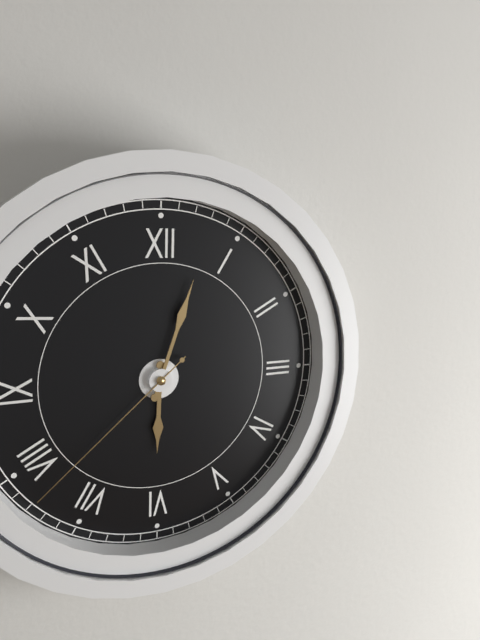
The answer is 6:03:38
